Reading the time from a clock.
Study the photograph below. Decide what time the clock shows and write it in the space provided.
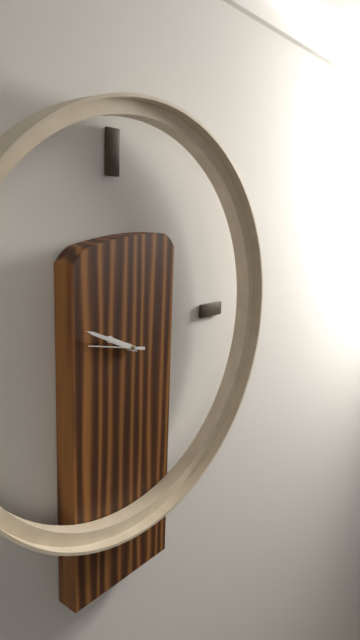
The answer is 9:49
